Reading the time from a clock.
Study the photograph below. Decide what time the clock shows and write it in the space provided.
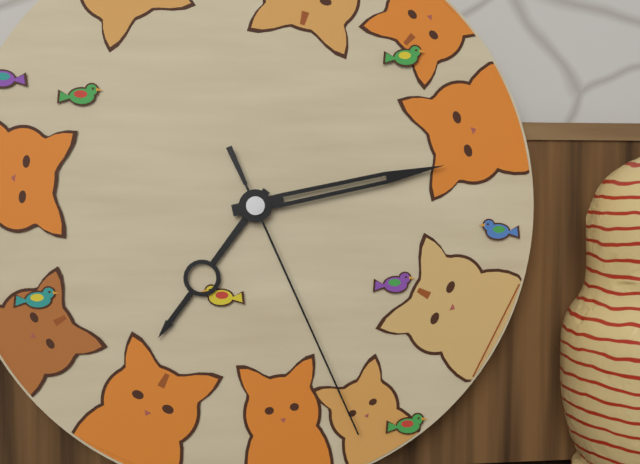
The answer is 7:13:26
